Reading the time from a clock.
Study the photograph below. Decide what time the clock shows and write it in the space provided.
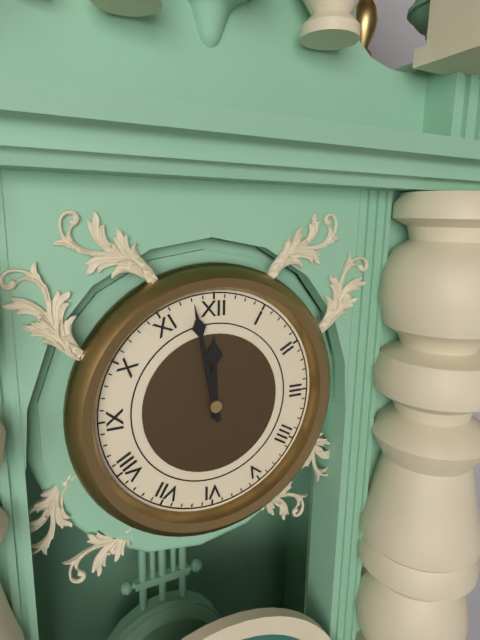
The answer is 11:58
